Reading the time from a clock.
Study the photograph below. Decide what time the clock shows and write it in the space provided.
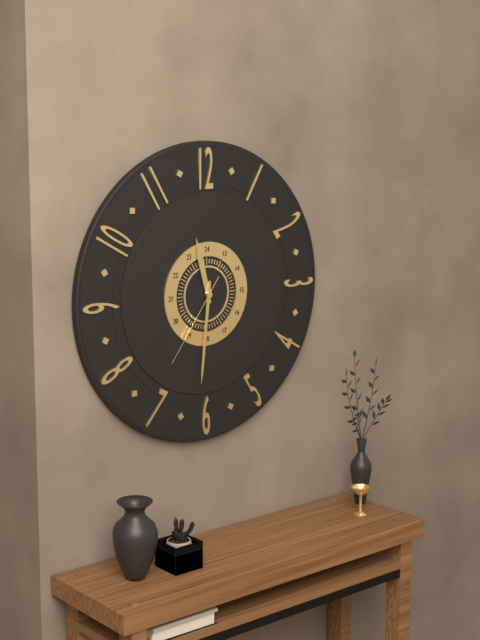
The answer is 11:31:36
